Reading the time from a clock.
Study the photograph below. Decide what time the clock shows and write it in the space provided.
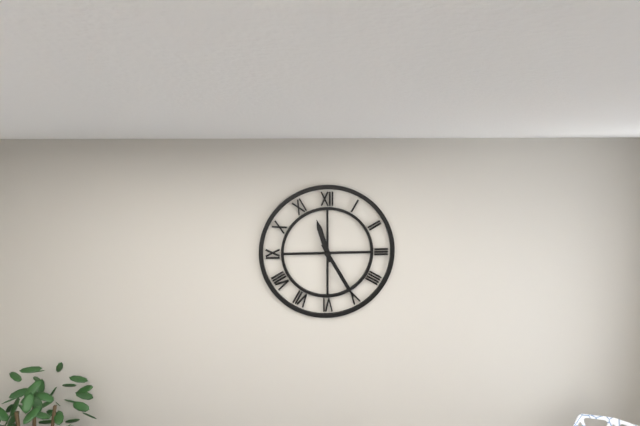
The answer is 11:25
